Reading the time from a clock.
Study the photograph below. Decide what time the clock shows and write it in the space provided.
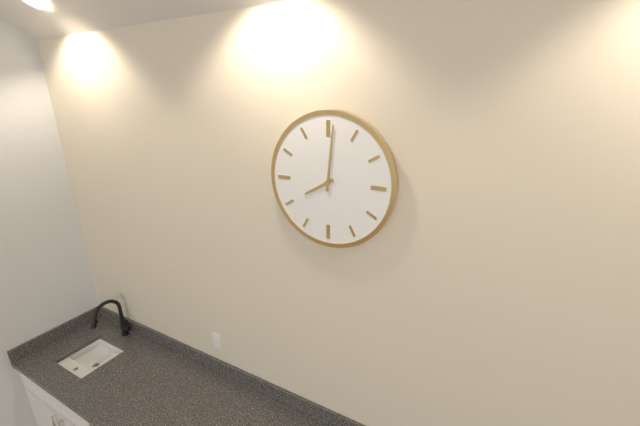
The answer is 8:01
